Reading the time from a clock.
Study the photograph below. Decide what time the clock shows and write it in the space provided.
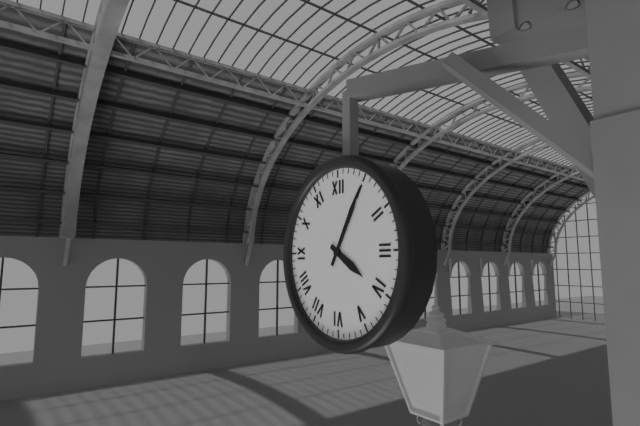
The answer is 4:05
